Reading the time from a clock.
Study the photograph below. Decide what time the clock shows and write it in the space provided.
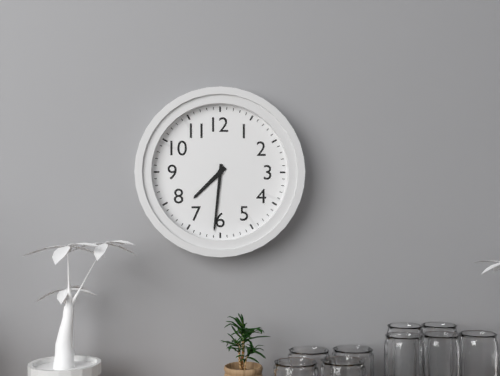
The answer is 7:31
